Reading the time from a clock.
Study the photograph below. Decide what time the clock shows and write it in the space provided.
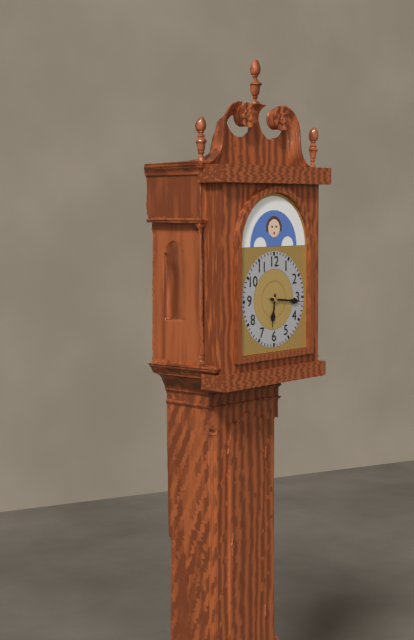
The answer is 6:16
